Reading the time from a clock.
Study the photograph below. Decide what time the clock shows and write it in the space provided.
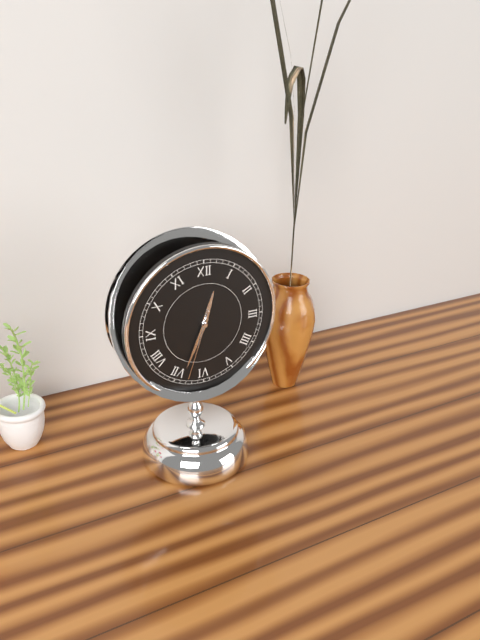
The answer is 12:34:33
